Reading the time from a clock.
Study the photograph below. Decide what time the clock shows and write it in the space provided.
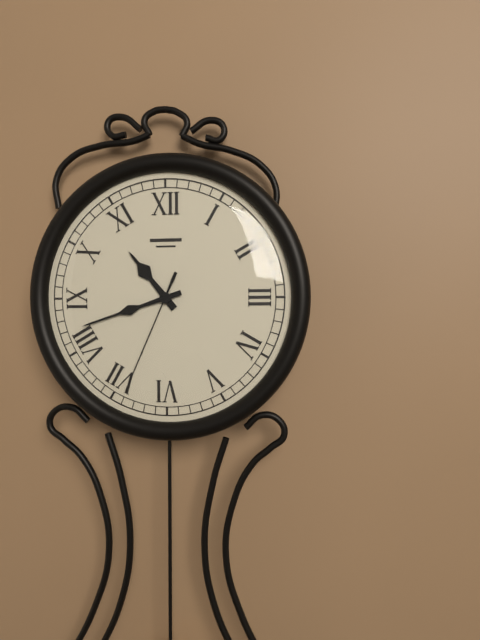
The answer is 10:42:34
